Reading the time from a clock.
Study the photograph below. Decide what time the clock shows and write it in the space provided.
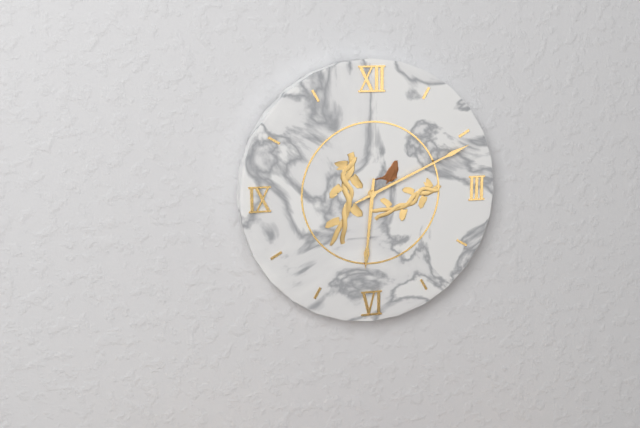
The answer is 6:11
